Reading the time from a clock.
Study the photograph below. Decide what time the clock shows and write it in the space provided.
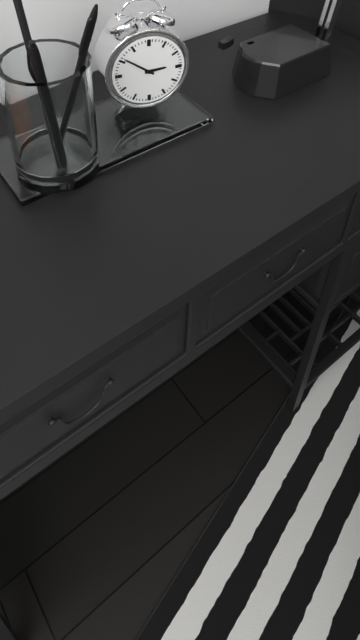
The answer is 2:51
